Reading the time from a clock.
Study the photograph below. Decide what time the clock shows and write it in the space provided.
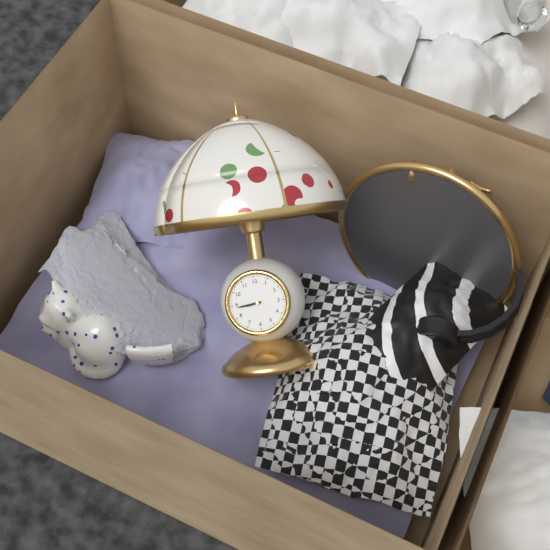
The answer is 8:44
